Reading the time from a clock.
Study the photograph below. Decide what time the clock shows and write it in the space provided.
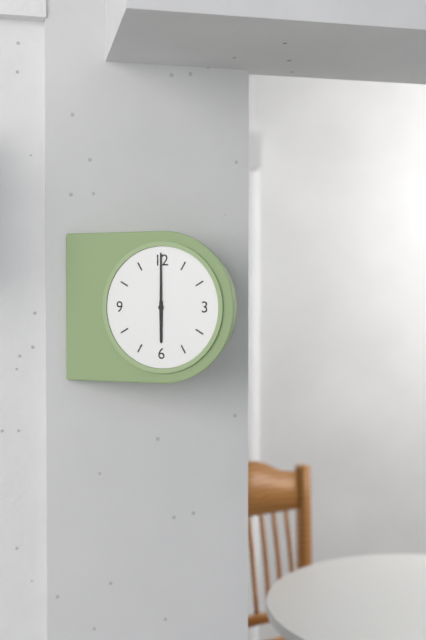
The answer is 6:00
